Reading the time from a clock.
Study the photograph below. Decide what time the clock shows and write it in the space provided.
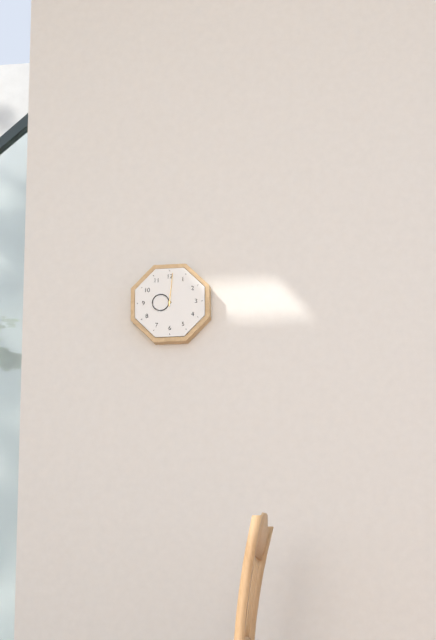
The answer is 9:01
